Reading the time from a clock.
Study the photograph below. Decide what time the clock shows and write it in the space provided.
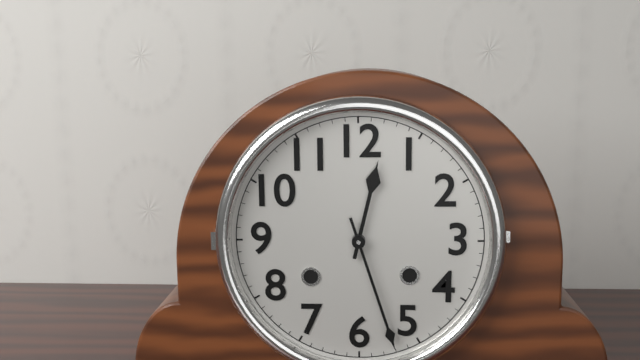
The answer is 12:27
